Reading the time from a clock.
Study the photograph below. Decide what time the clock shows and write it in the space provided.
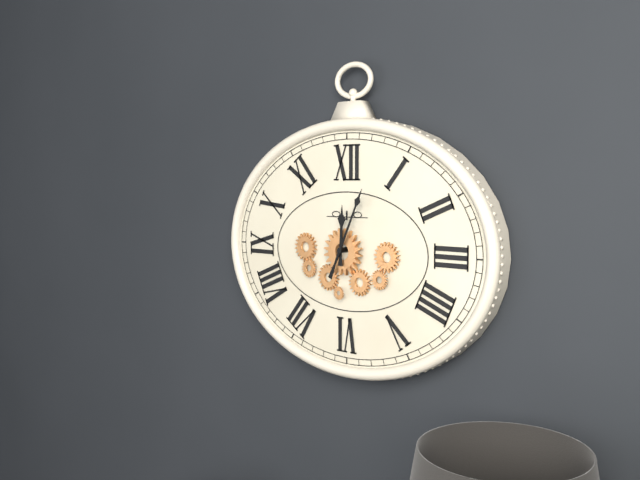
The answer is 12:04
